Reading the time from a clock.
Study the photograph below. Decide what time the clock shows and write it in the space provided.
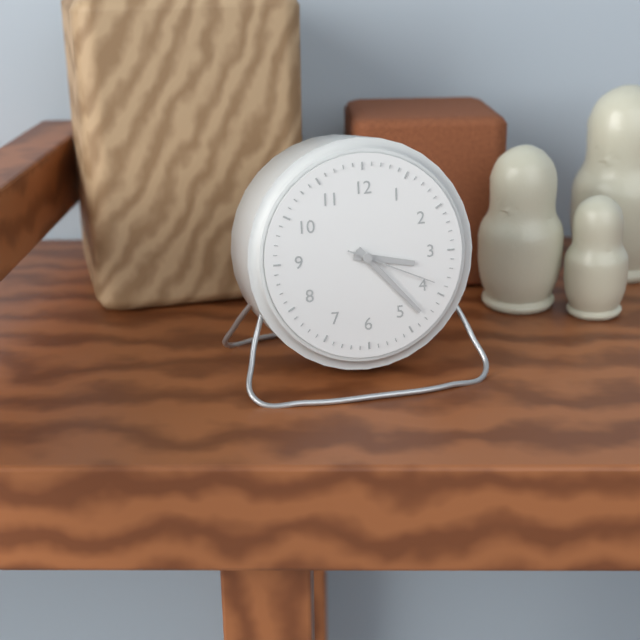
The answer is 3:23:19
